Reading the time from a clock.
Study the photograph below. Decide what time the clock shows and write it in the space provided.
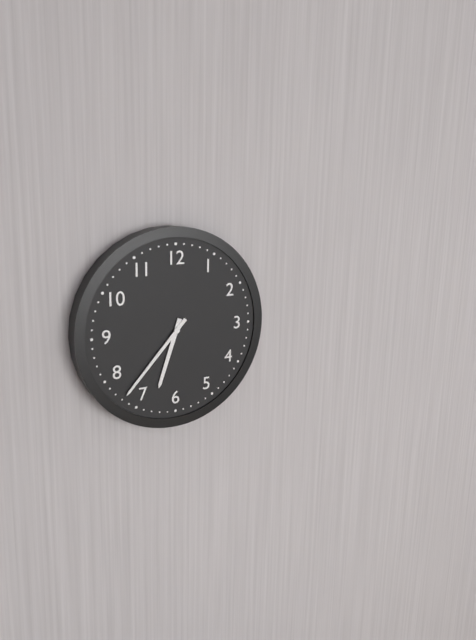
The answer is 6:37
